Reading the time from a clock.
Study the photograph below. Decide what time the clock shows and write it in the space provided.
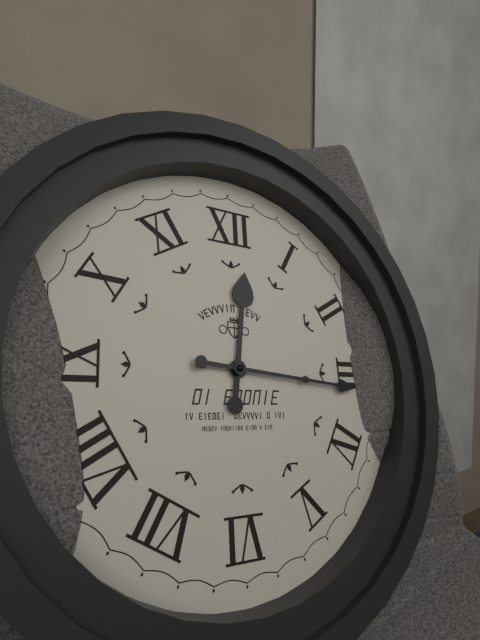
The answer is 12:16
